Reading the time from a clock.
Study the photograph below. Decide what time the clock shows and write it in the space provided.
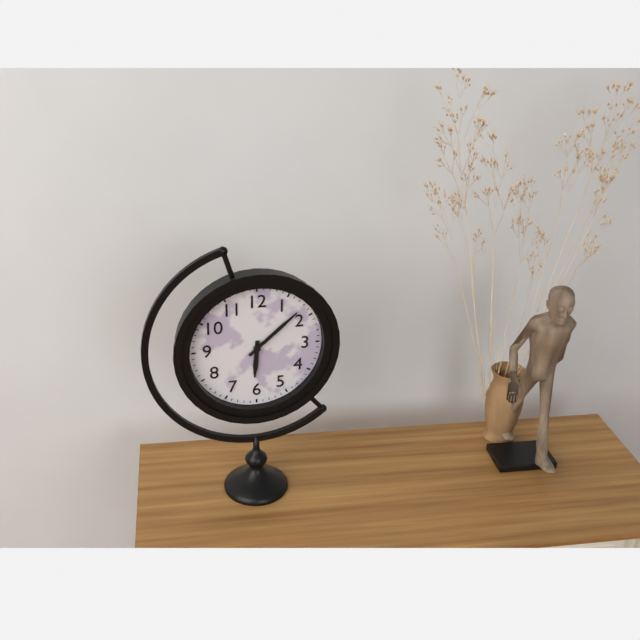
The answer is 6:08
